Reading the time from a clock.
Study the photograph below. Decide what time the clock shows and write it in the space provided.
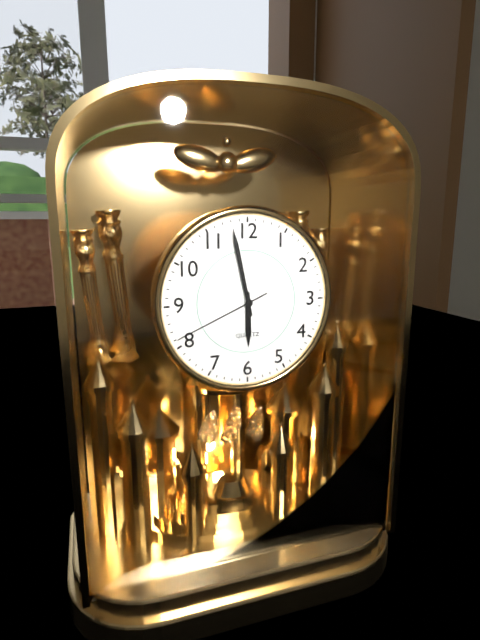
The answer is 5:58:41
